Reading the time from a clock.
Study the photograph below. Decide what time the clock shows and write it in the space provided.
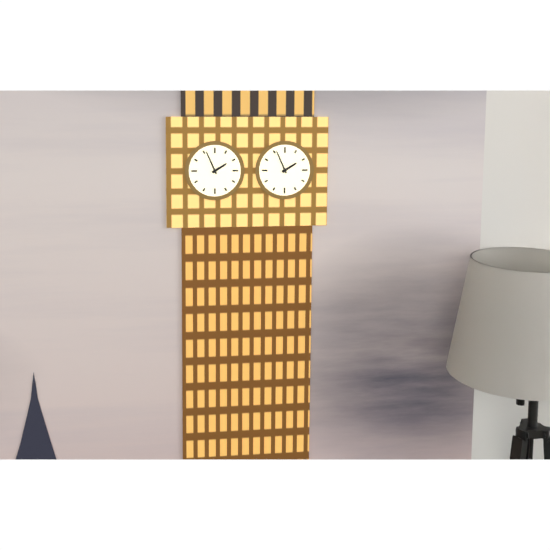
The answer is 1:56
